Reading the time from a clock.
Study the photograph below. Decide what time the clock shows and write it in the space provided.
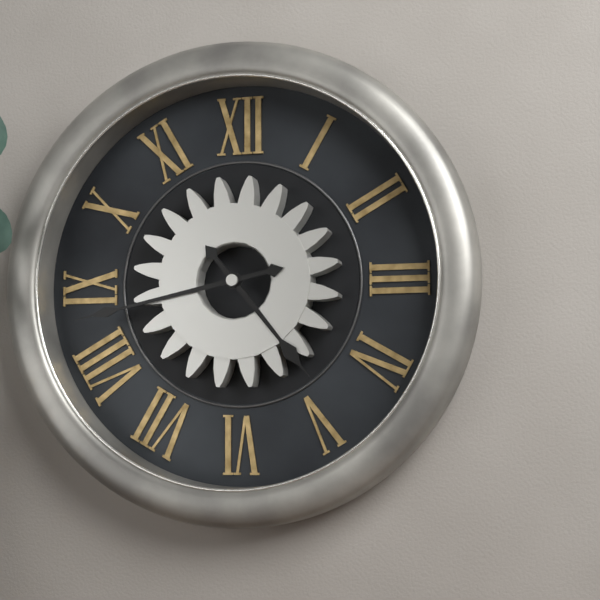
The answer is 4:43
